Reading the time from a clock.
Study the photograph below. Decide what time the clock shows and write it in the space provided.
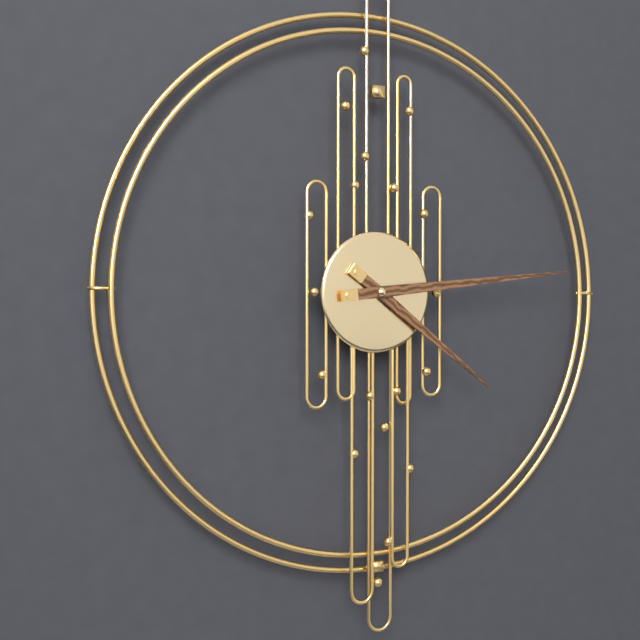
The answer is 4:14
